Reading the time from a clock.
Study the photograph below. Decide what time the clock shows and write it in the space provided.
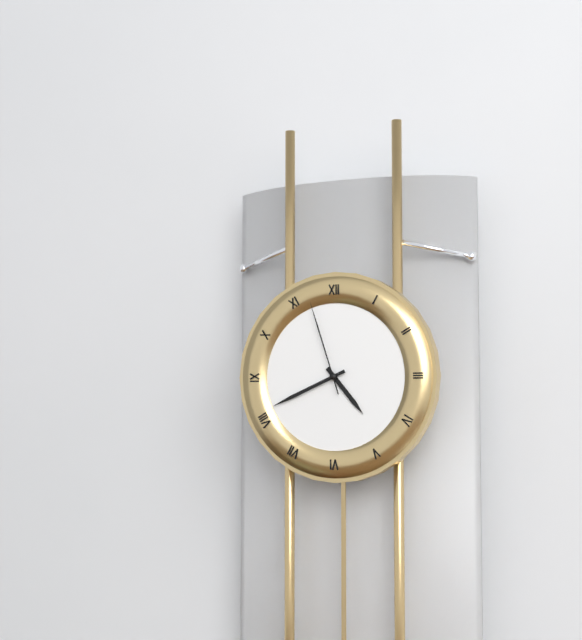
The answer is 4:41:57
